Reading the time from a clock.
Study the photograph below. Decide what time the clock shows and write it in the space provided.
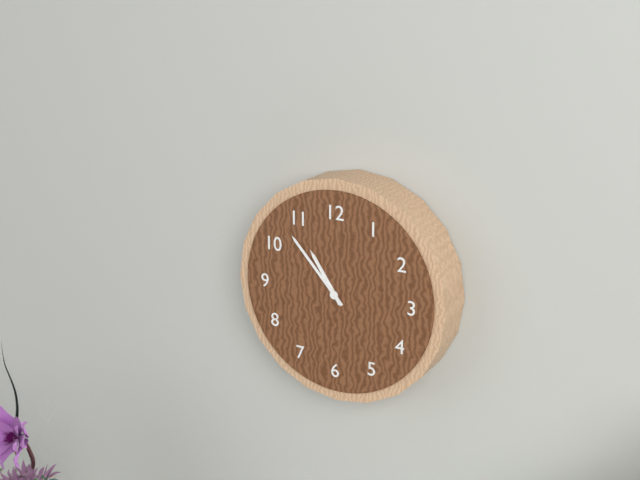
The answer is 10:53
